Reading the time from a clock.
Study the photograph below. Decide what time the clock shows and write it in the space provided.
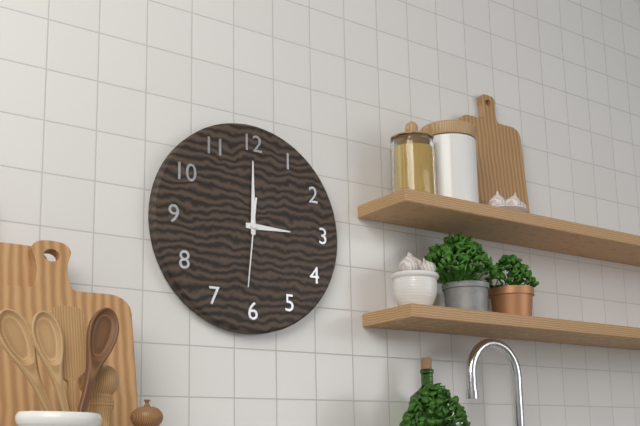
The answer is 3:00:31
